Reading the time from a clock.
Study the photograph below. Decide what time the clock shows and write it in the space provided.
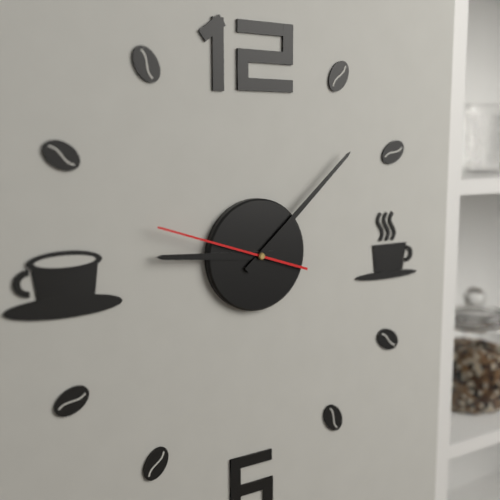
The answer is 9:08:48
